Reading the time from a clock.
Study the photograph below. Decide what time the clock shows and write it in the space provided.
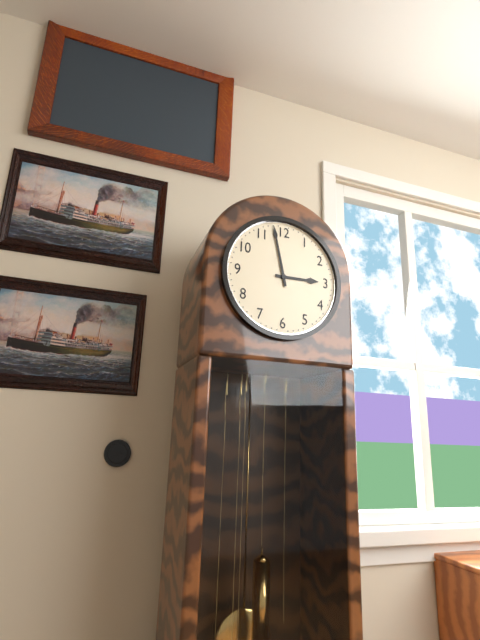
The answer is 2:58
